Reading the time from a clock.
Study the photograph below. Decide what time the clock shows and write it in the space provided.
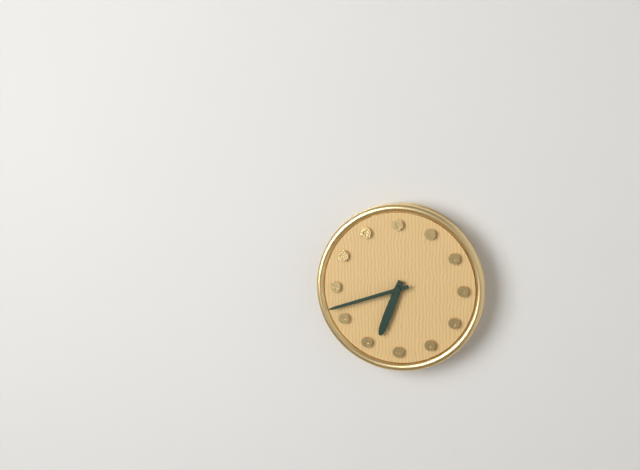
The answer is 6:42
